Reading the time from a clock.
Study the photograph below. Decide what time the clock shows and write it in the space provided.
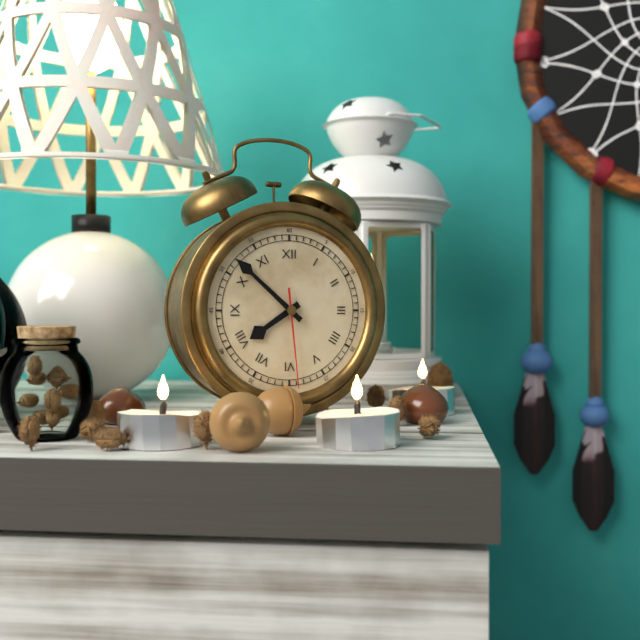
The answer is 7:52:29
